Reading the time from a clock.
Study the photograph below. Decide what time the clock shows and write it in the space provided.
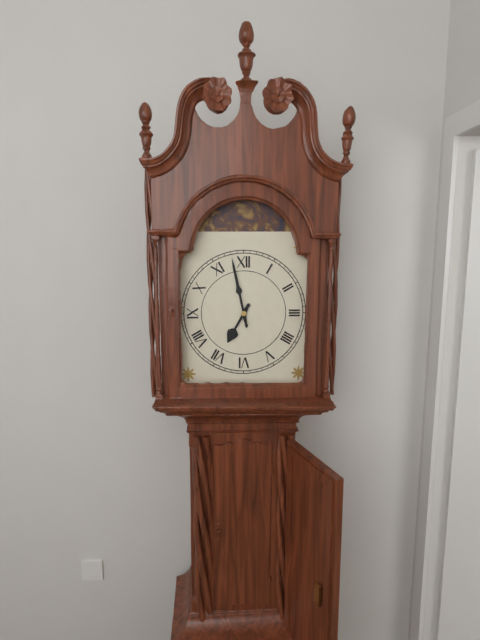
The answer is 6:58
